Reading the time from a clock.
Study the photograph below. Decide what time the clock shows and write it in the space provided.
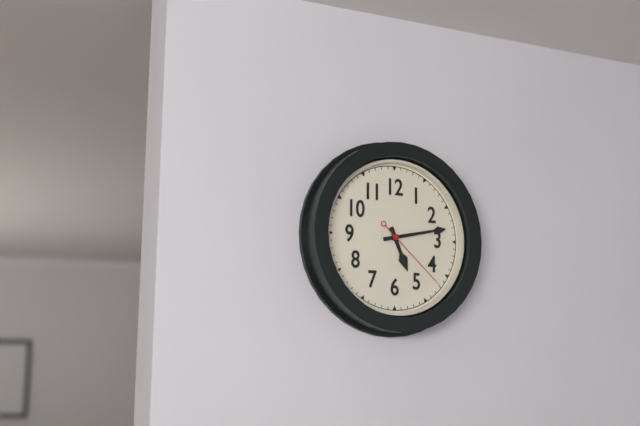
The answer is 5:13:22
